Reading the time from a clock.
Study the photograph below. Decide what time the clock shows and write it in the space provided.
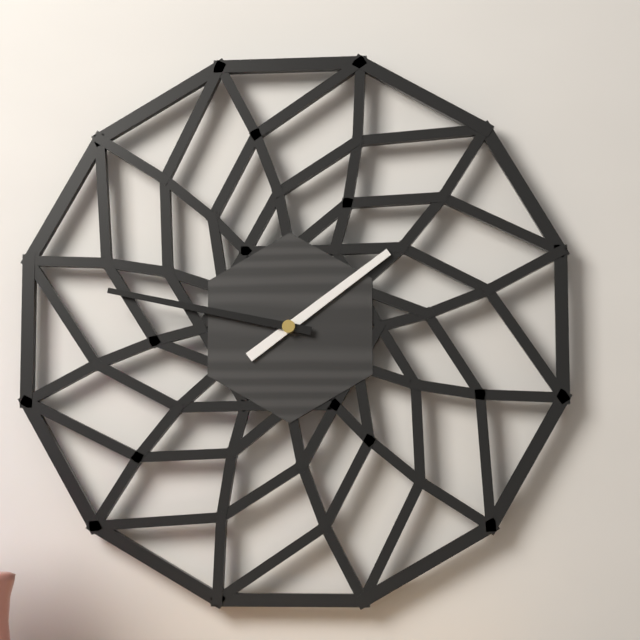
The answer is 1:47
